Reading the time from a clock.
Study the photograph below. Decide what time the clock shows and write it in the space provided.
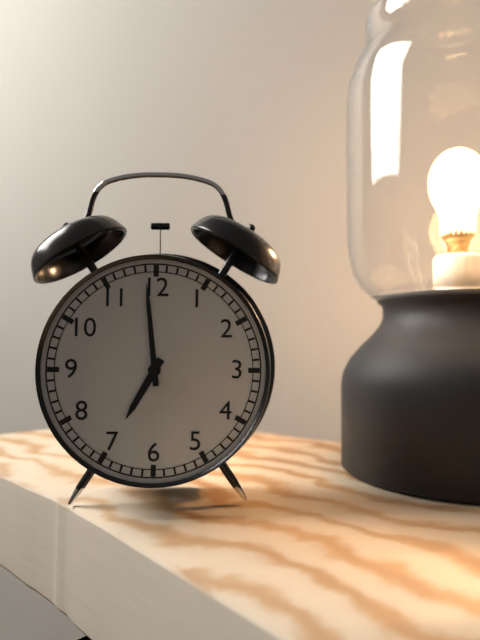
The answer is 6:59
